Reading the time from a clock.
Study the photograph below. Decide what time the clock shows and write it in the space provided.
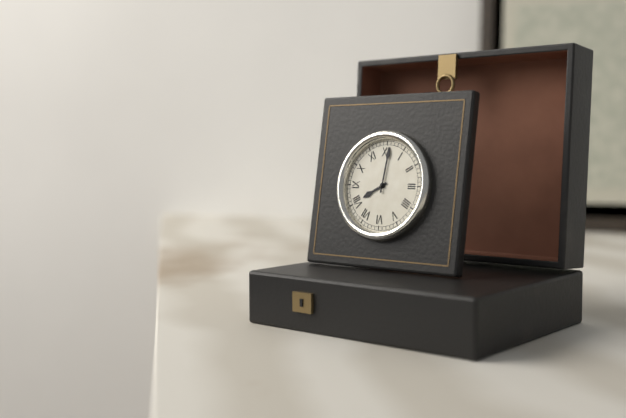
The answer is 8:01
